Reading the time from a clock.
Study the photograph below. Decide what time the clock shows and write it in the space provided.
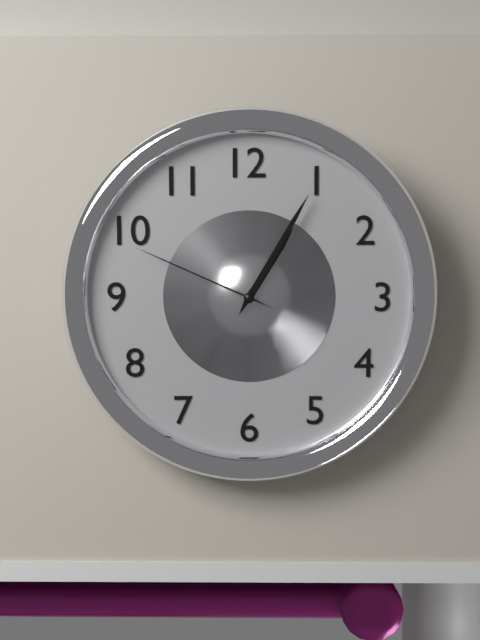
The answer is 1:05:49
